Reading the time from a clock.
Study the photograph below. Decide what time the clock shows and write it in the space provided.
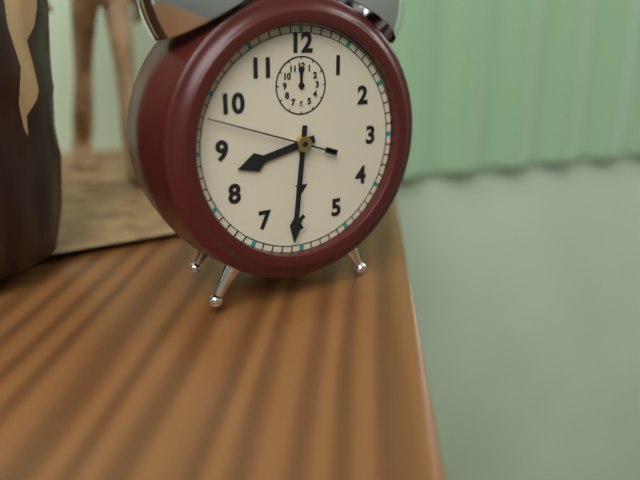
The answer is 8:31:48
